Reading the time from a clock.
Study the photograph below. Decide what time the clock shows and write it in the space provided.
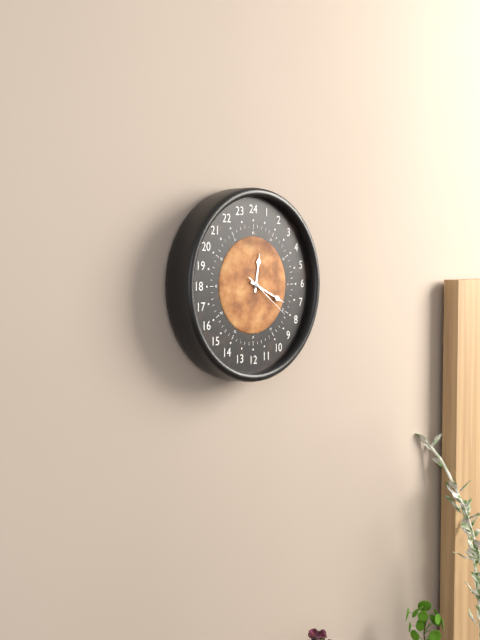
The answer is 12:19:21
